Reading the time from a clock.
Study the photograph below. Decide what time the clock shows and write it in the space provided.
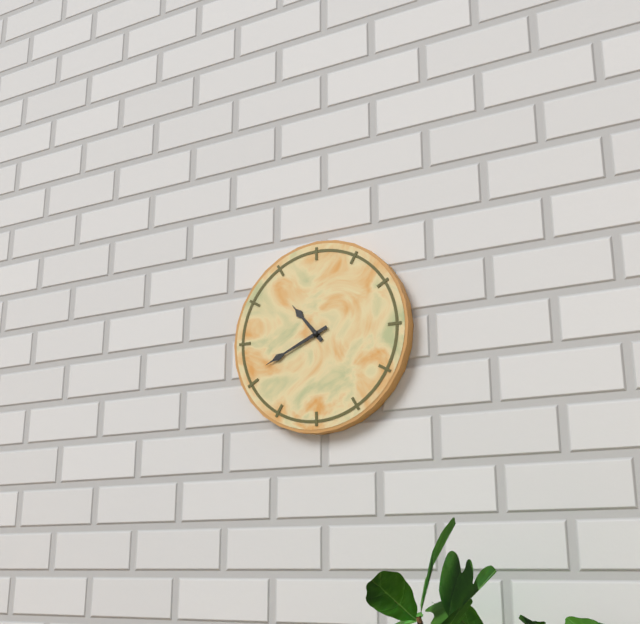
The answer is 10:41
